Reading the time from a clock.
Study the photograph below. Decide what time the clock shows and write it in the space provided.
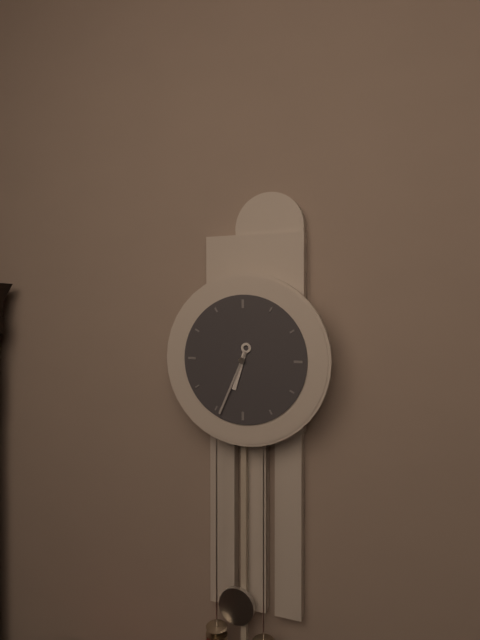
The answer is 6:34
